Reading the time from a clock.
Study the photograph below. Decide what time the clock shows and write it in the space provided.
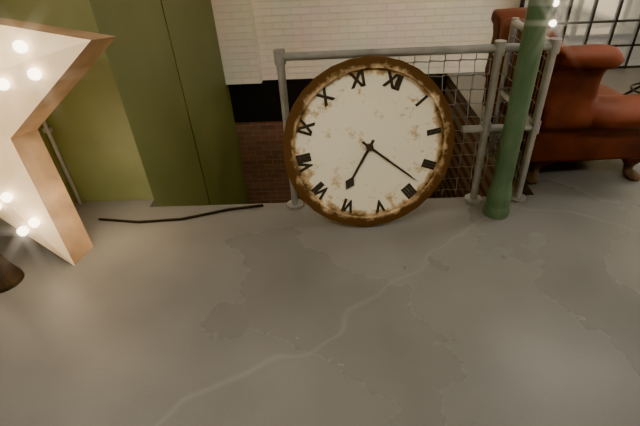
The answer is 6:18
